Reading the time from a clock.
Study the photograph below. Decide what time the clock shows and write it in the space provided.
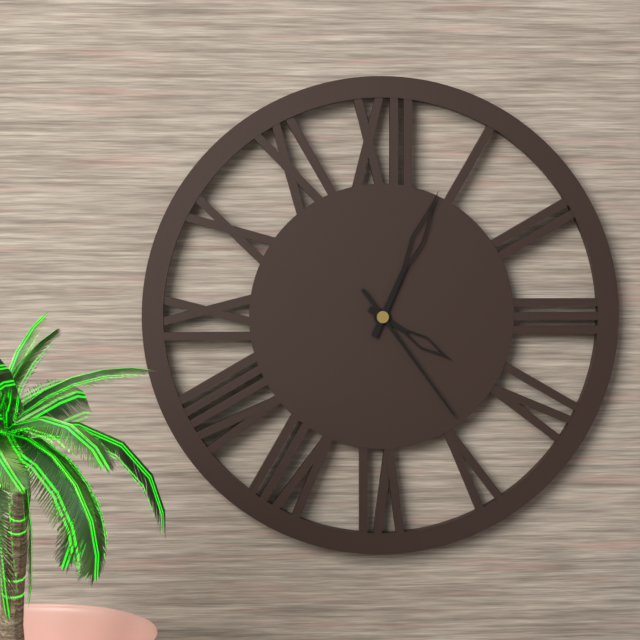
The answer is 4:04:24
